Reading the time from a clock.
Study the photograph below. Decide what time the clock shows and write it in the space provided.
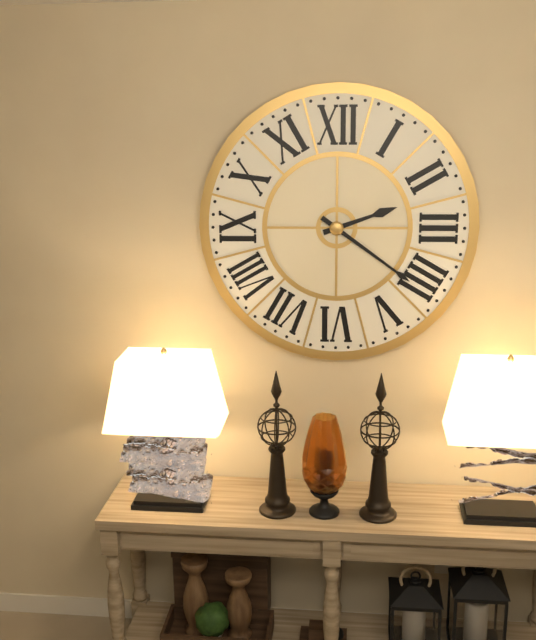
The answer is 2:21
